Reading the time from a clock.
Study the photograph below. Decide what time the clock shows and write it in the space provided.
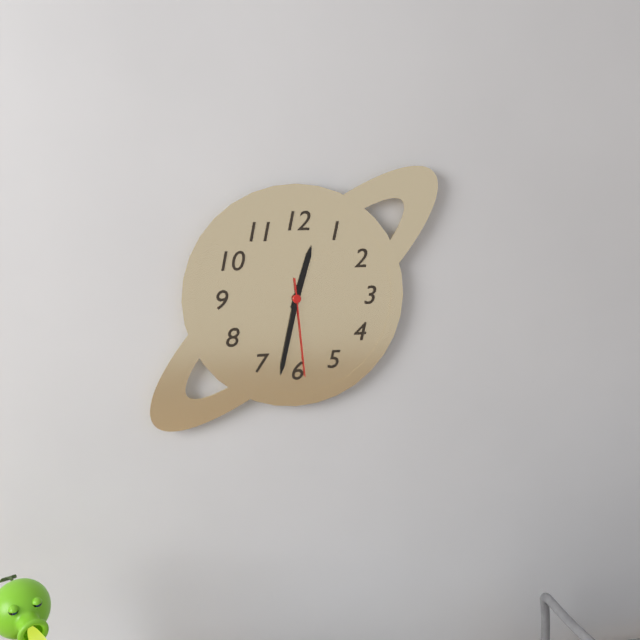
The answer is 12:32:29
